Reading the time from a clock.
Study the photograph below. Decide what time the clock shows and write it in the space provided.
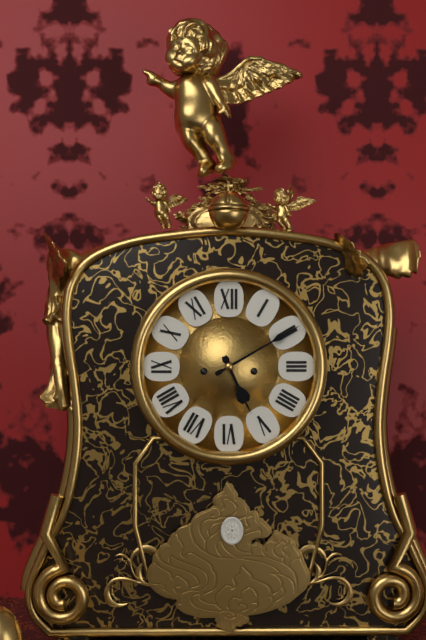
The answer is 5:10
